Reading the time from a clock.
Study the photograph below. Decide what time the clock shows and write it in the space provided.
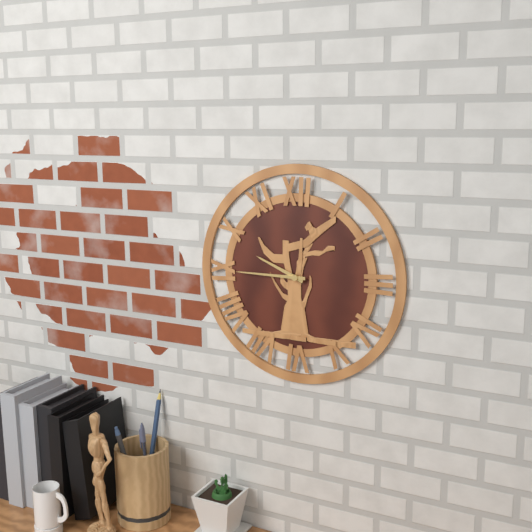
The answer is 9:45
